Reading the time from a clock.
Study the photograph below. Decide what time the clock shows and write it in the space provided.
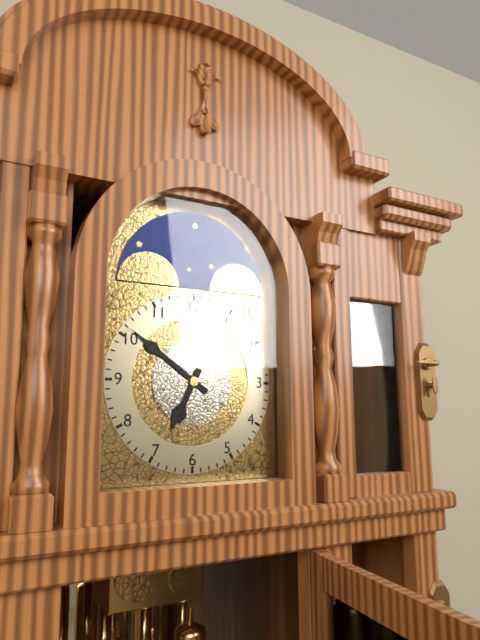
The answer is 6:51
